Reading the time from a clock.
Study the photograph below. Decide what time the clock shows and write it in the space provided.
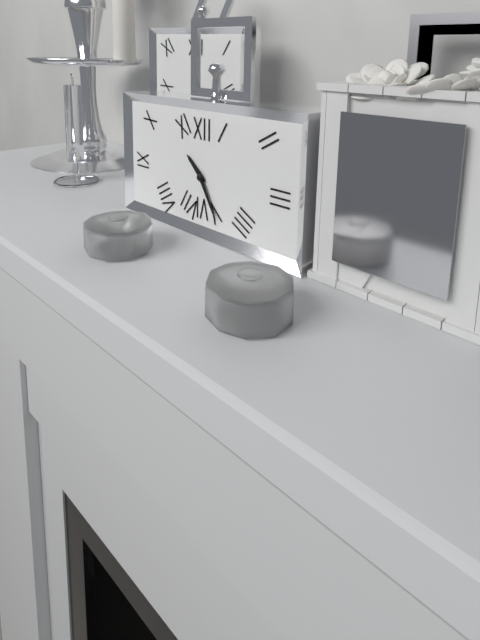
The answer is 10:25
